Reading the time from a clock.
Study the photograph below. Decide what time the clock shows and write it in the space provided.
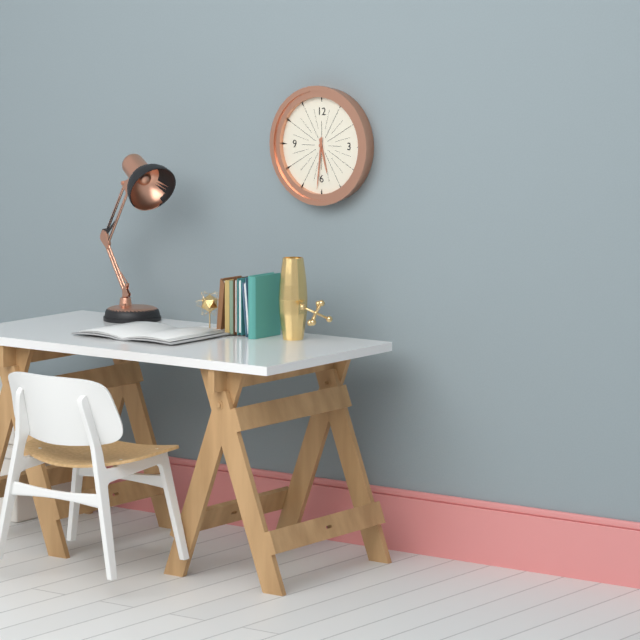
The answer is 5:31
